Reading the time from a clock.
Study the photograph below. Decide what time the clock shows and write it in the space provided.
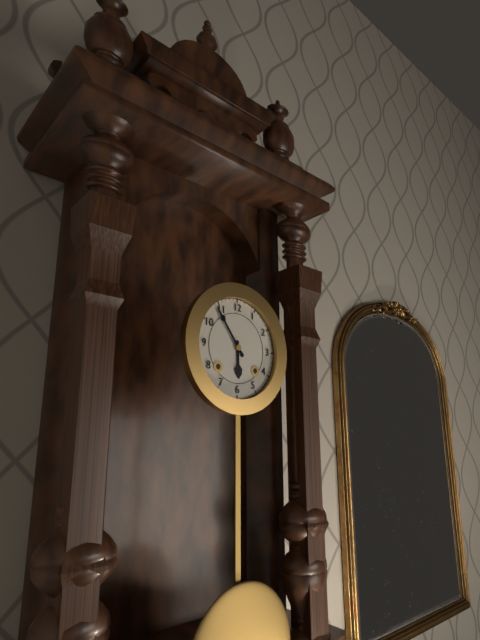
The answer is 5:54
